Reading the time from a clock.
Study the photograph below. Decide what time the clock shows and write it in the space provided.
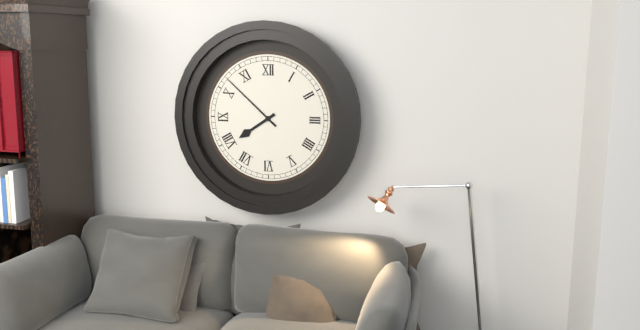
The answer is 7:52
